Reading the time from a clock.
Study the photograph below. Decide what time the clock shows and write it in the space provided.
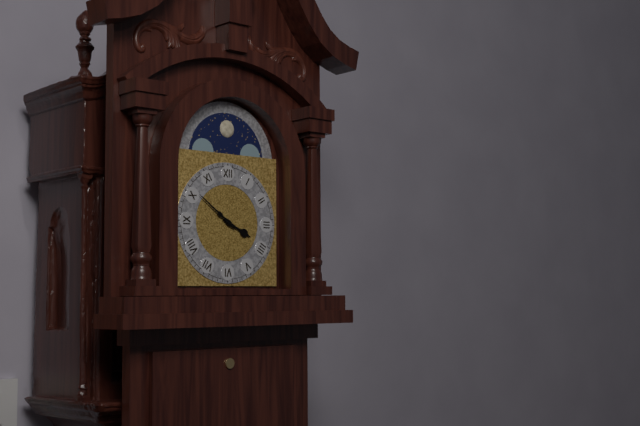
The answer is 3:51
